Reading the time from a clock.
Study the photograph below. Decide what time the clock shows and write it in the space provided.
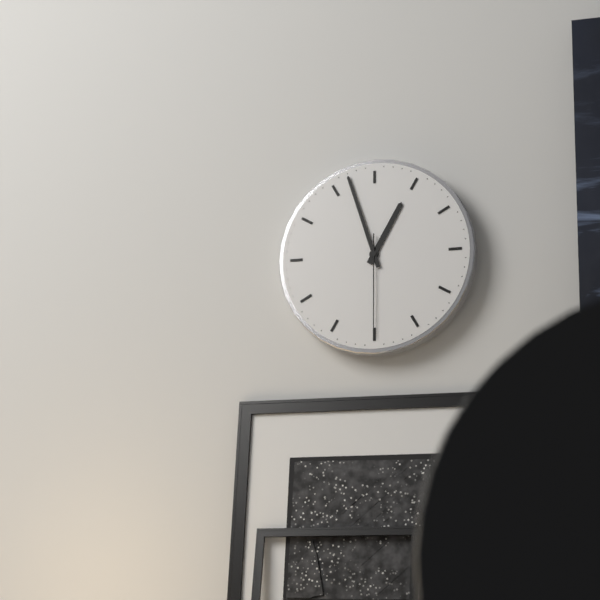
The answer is 12:57:30
